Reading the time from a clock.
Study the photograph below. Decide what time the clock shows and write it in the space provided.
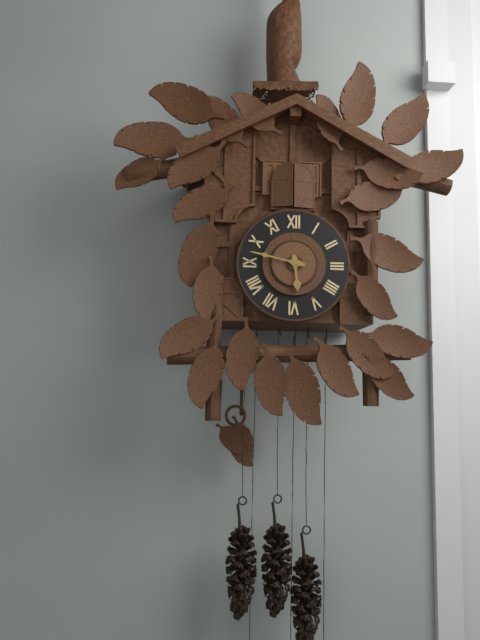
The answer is 5:47
